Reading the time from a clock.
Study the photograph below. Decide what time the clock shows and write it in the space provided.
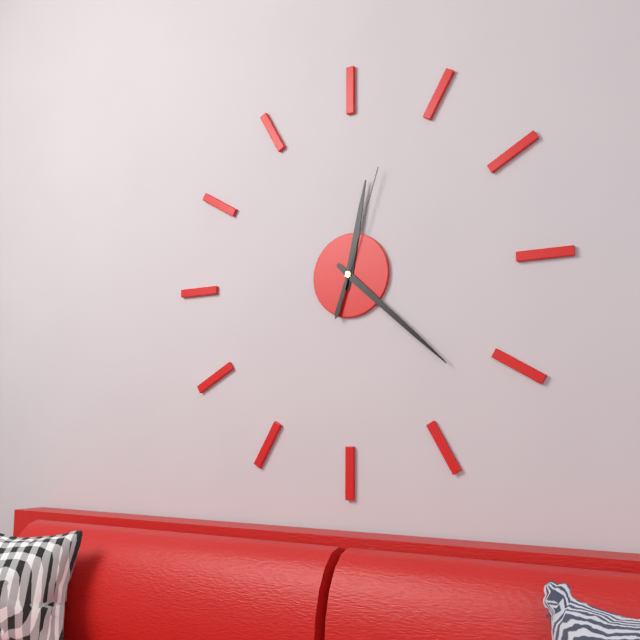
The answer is 12:22:03
